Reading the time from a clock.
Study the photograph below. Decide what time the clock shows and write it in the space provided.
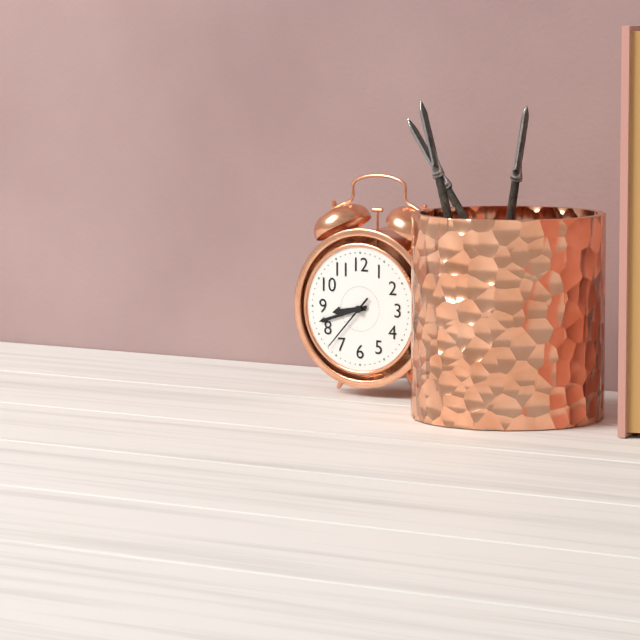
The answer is 8:42:37
